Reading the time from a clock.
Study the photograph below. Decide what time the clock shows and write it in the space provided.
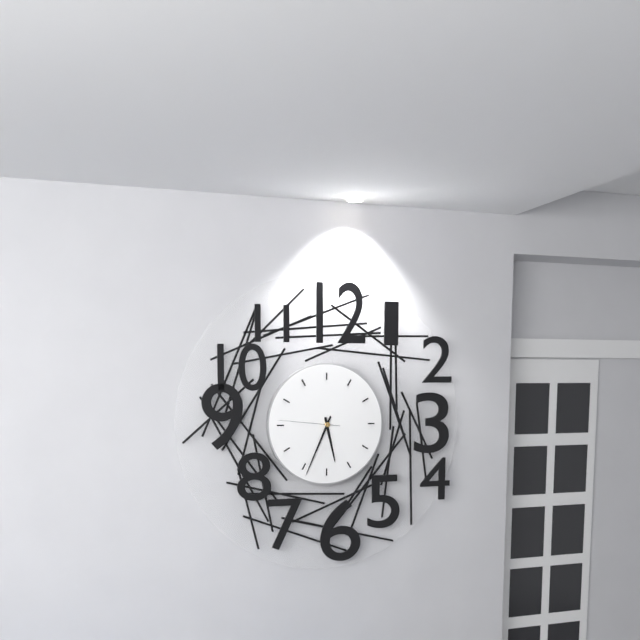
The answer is 5:34:46
